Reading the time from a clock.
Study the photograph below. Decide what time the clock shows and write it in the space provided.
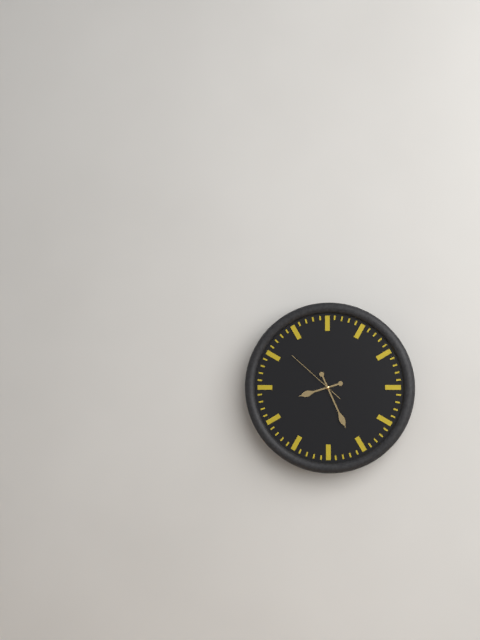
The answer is 8:26:52
